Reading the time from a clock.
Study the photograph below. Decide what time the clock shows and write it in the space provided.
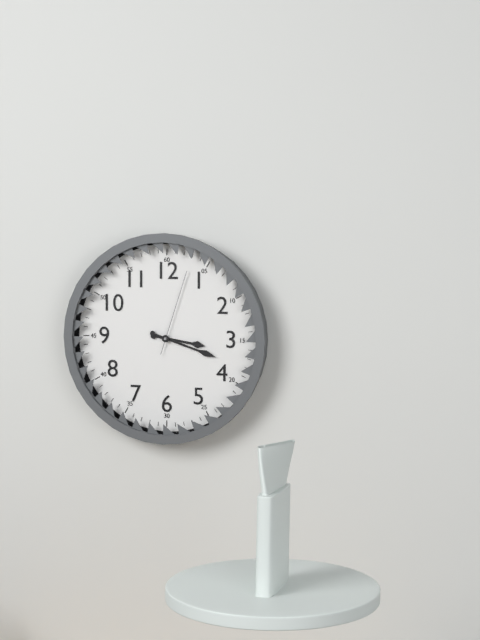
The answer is 3:18:03
